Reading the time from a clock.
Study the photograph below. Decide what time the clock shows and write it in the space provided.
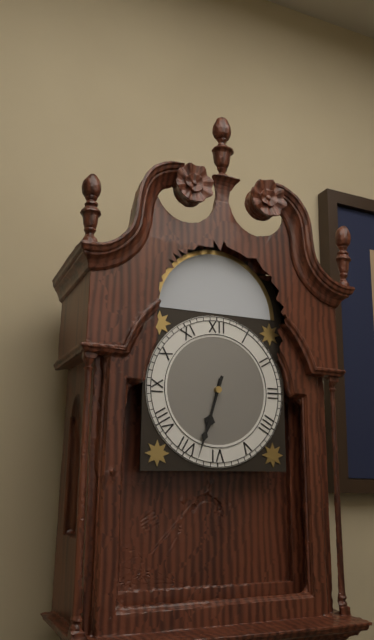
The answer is 6:33
